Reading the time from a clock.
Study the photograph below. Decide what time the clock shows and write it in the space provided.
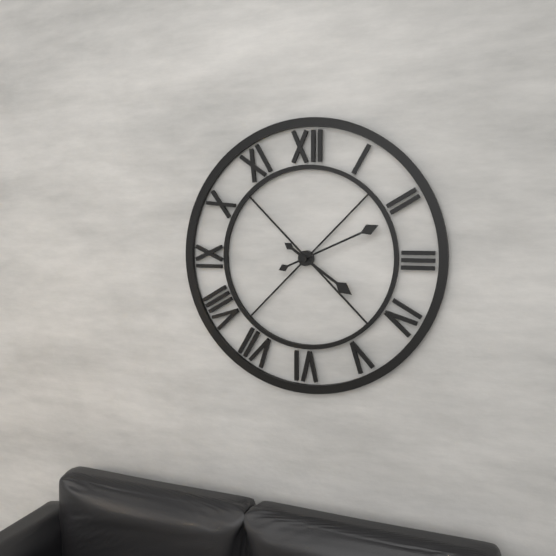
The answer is 4:11
